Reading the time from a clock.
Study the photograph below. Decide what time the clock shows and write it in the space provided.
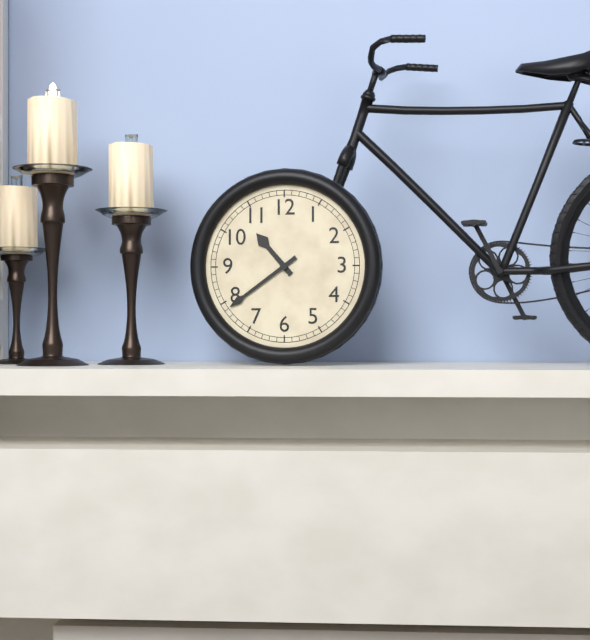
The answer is 10:39
